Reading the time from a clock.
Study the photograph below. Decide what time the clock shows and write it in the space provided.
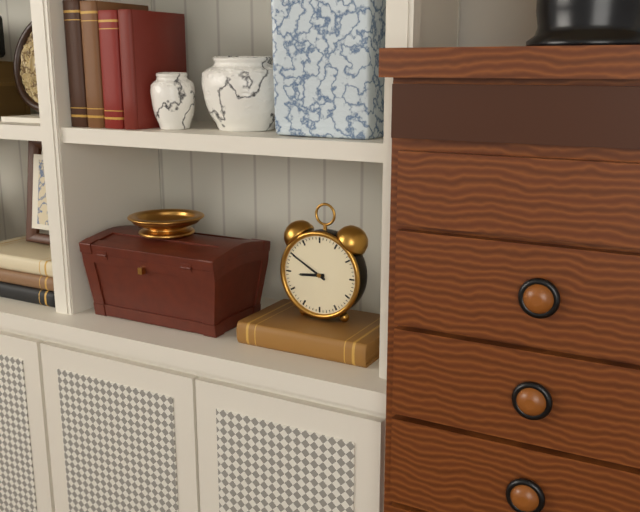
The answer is 8:50
